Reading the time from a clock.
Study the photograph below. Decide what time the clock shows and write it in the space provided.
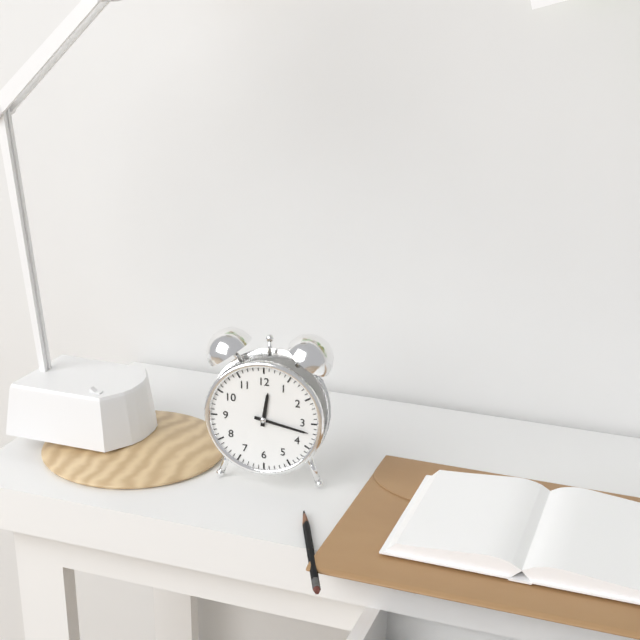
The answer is 12:17
